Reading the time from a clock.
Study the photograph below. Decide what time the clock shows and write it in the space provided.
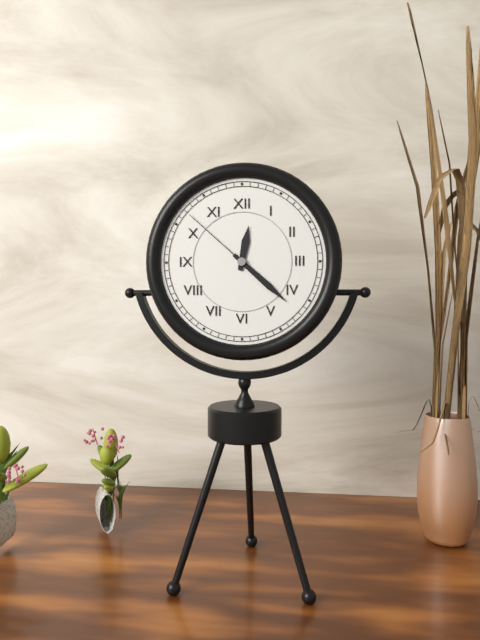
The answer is 12:22:52
